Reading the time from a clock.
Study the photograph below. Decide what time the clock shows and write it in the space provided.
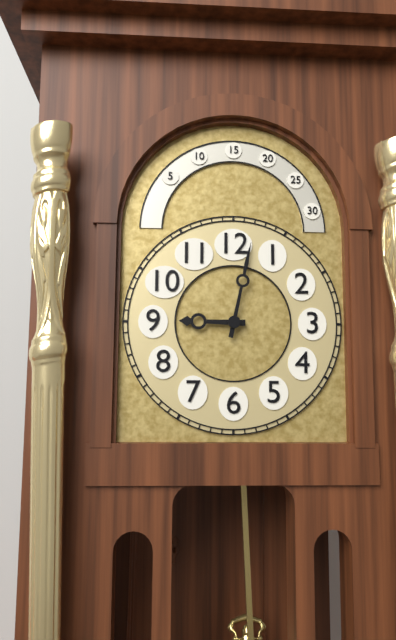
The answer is 9:02
